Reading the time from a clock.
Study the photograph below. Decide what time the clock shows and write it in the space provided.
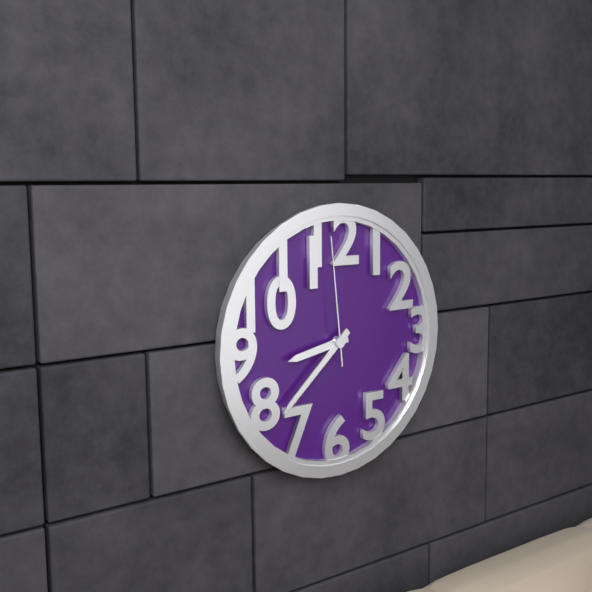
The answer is 8:38:59
